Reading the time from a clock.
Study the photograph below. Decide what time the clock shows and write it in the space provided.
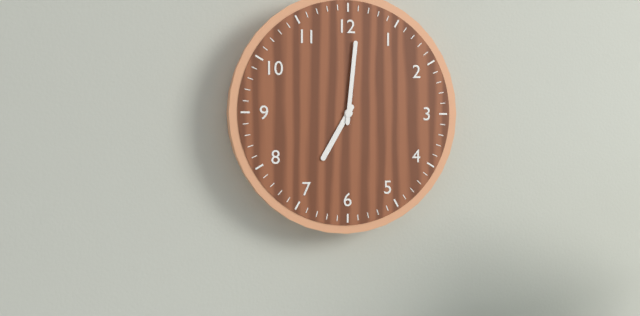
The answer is 7:01
